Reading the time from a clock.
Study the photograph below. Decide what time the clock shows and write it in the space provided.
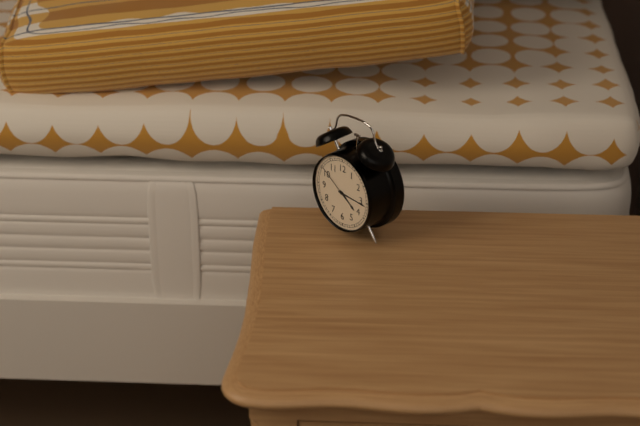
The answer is 4:16
